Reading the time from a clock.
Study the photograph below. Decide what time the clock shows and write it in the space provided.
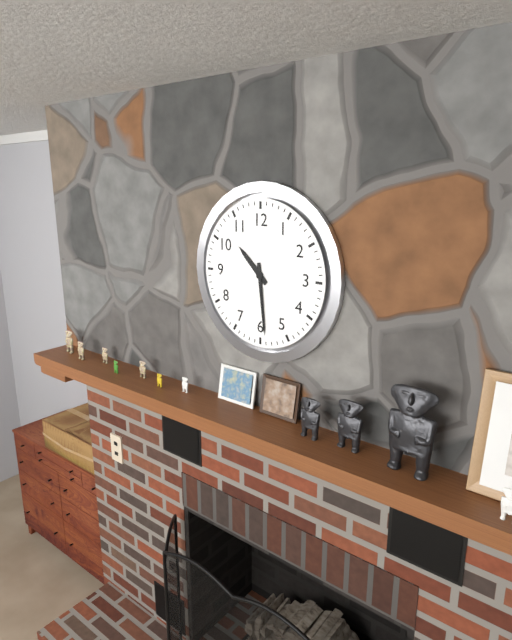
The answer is 10:29
